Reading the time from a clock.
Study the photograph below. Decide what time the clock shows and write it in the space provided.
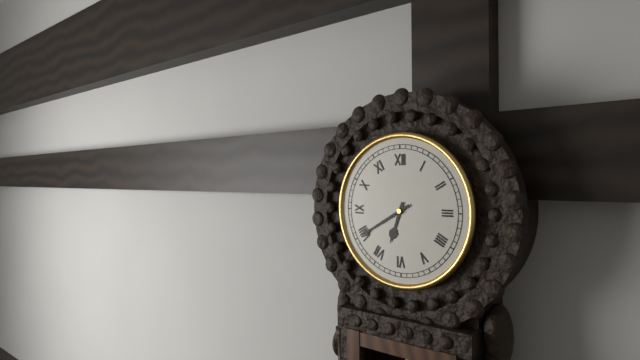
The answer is 6:40
